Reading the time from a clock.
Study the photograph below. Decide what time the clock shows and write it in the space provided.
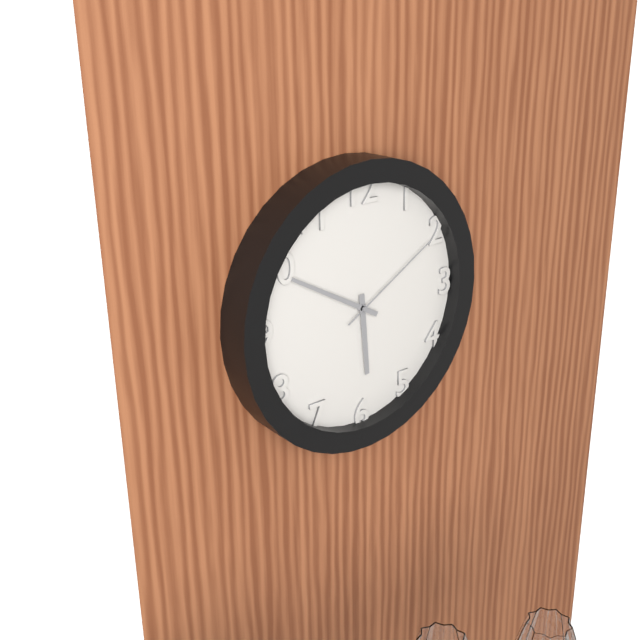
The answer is 5:50:10
